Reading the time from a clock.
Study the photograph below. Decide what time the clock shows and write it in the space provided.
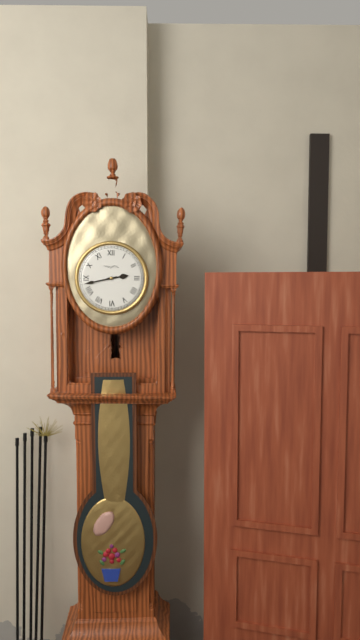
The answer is 2:43
